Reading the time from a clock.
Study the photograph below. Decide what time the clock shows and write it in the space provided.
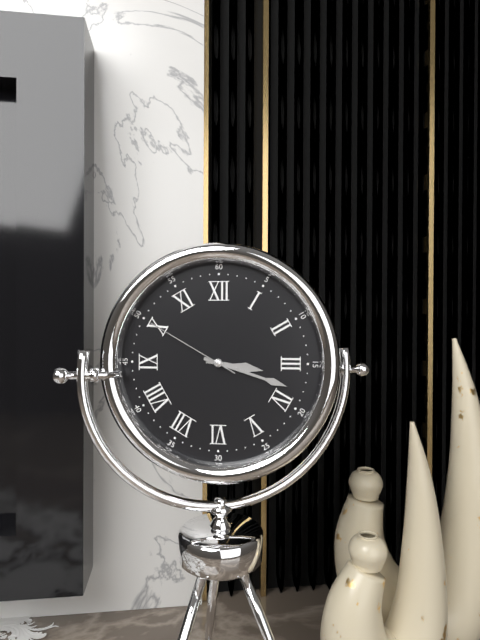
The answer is 3:18:50
